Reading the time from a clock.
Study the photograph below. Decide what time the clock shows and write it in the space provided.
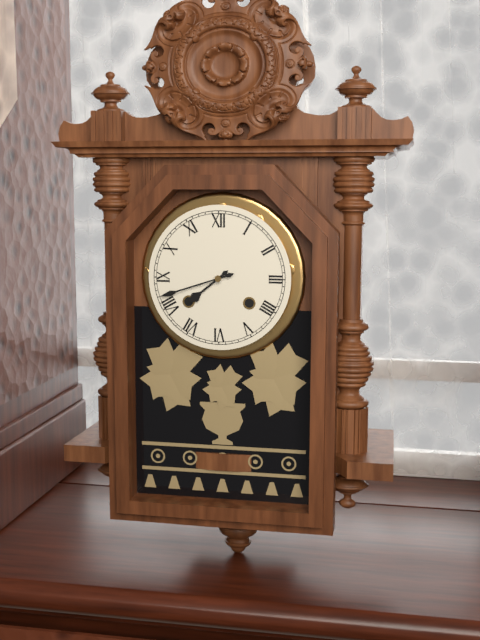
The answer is 7:42
